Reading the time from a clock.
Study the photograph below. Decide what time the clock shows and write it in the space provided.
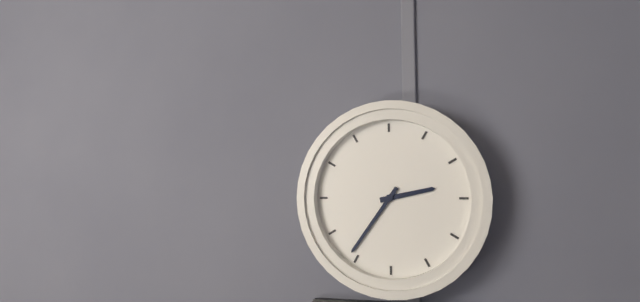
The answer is 2:36
